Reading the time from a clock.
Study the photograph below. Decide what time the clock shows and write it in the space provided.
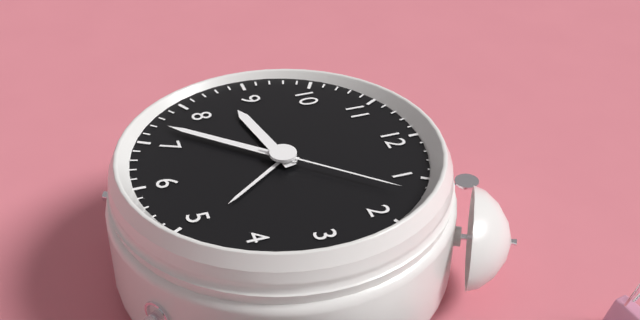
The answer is 8:37:07
